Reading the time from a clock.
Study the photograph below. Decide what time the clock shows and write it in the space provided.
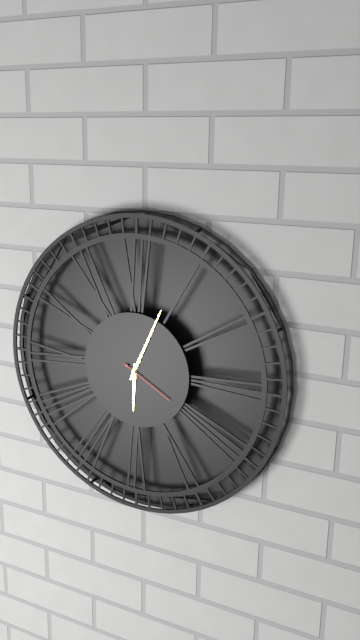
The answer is 6:04:20
